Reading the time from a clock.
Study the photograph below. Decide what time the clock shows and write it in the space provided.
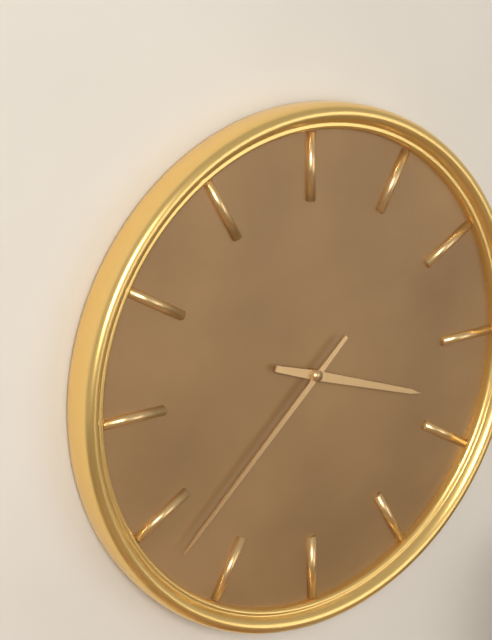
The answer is 3:38
